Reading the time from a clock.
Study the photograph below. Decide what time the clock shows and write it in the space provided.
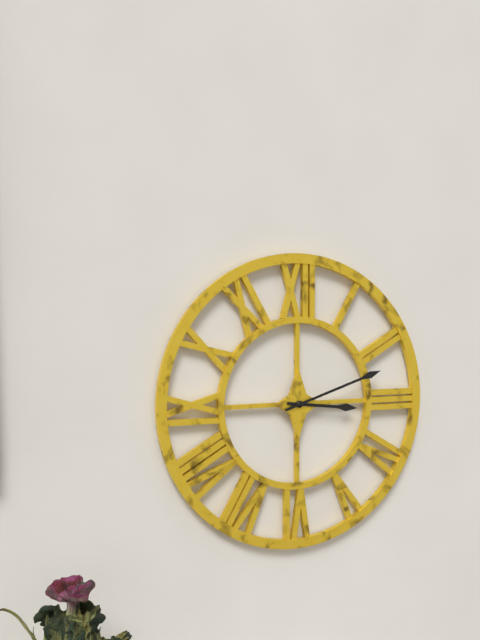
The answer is 3:12
